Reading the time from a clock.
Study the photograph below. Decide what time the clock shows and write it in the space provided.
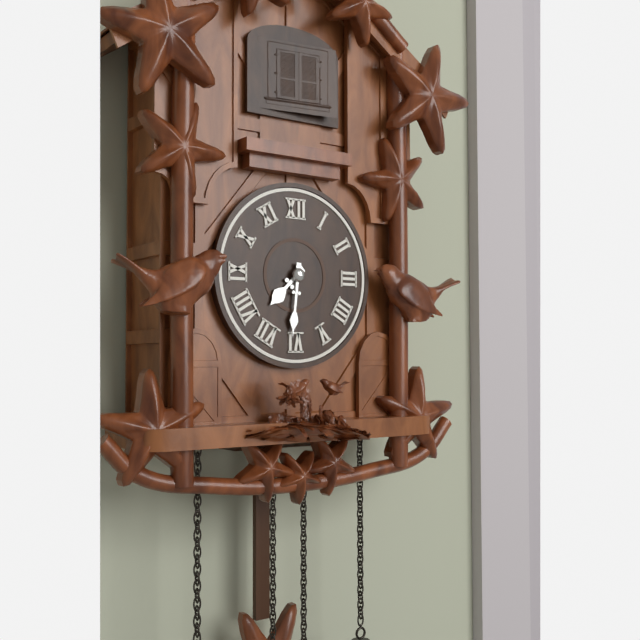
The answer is 7:31
